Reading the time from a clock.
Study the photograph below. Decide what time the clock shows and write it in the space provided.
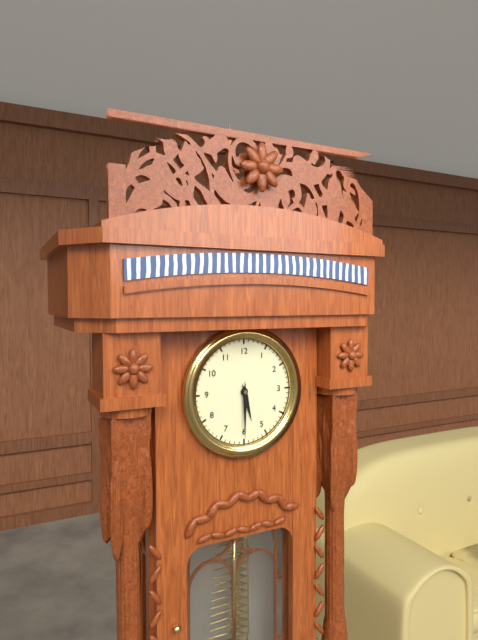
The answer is 5:30
